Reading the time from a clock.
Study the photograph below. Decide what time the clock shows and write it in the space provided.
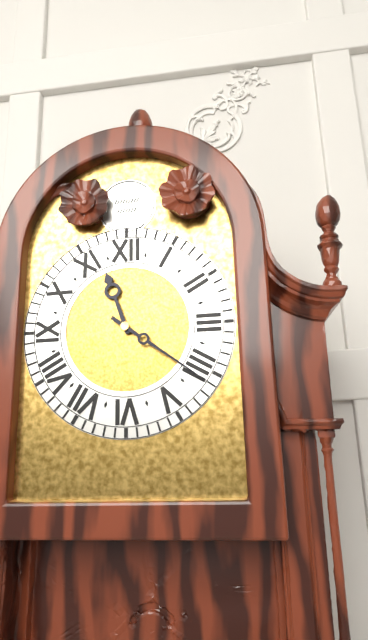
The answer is 11:21
